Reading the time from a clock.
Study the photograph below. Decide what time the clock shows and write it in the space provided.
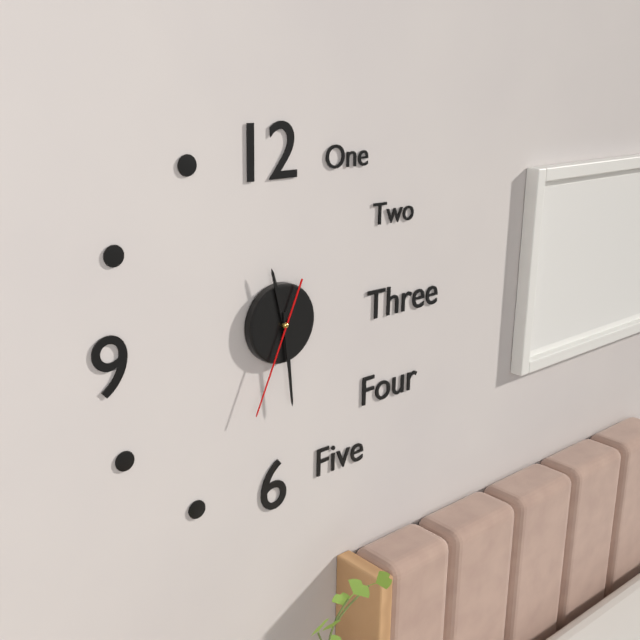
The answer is 11:29:34
